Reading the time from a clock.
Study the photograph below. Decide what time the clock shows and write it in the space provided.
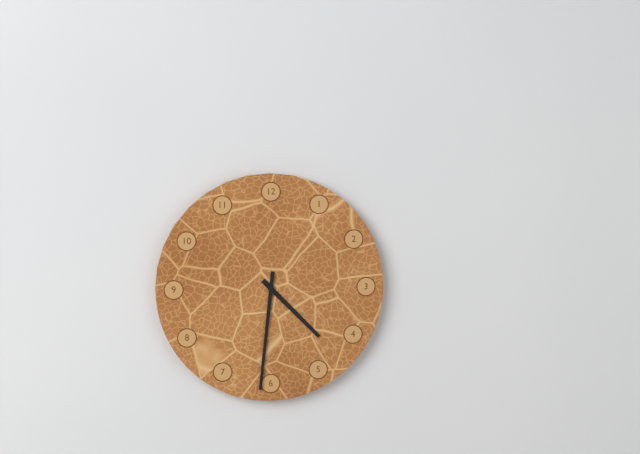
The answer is 4:31
